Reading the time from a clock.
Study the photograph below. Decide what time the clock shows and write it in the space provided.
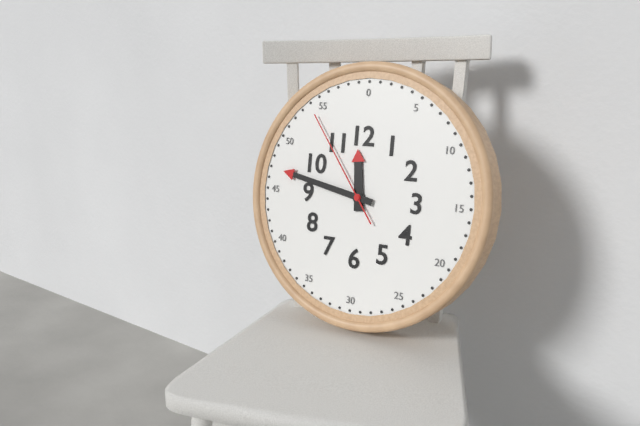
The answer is 11:47:54
